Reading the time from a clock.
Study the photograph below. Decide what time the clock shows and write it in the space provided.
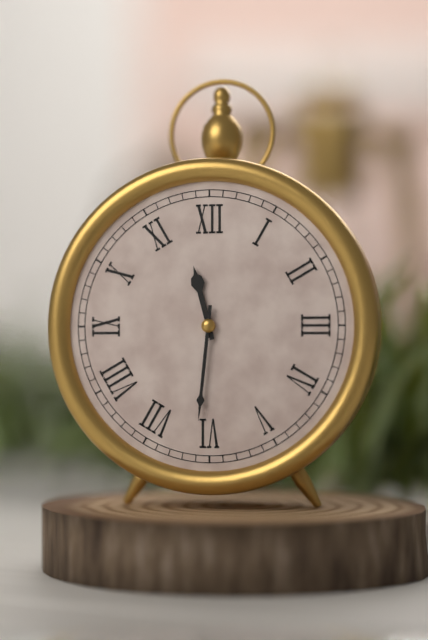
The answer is 11:31
